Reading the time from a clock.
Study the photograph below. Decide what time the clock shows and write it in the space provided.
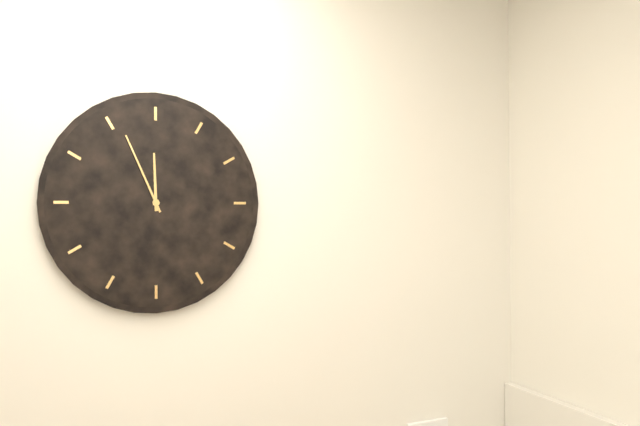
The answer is 11:56
